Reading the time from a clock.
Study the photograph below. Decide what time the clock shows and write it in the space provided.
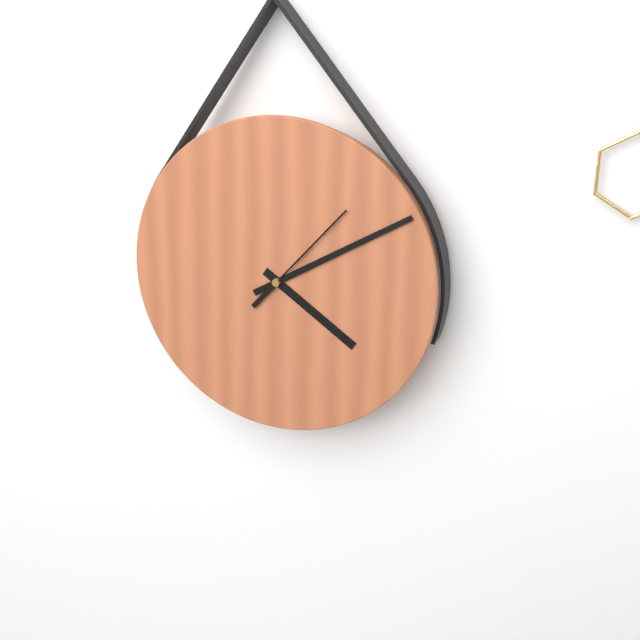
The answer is 4:10:07
